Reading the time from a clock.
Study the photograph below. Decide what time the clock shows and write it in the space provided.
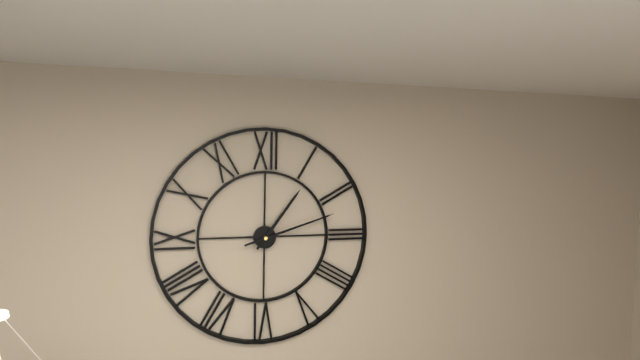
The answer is 1:12
